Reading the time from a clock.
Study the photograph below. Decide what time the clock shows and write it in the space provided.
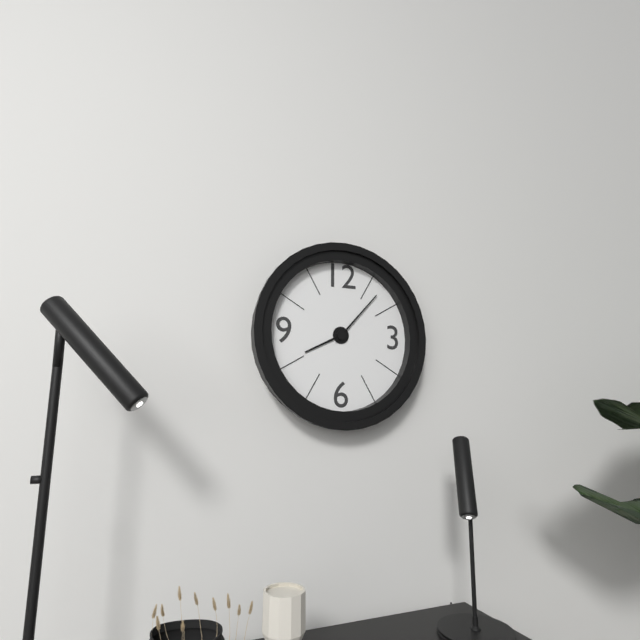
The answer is 8:07
